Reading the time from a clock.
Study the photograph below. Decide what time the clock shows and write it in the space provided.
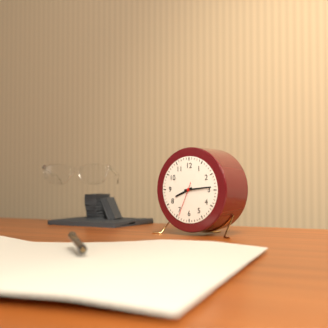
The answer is 8:14
